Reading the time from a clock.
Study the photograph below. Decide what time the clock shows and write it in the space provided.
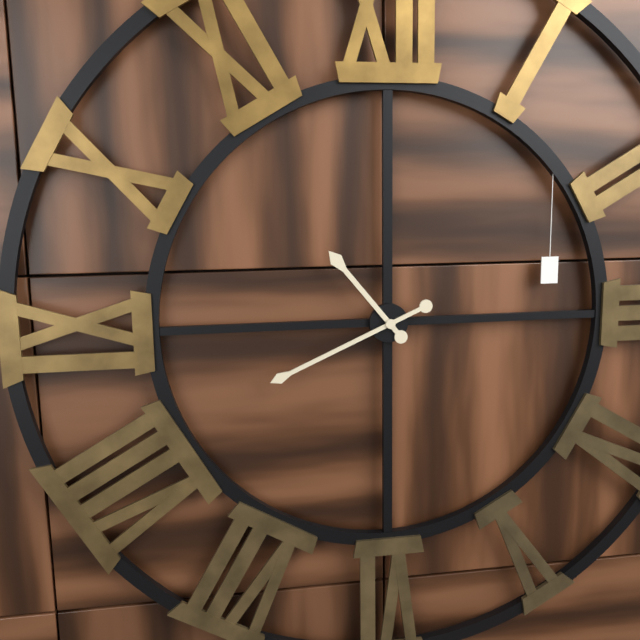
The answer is 10:41
